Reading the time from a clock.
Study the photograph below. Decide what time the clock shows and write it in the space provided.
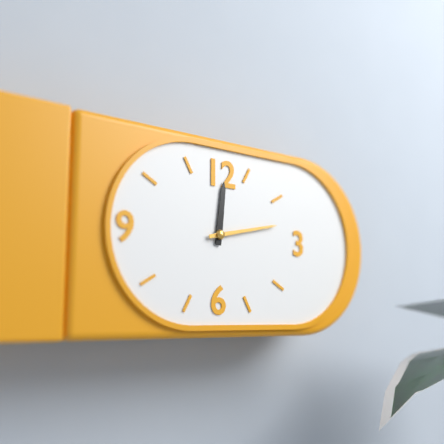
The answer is 12:13
